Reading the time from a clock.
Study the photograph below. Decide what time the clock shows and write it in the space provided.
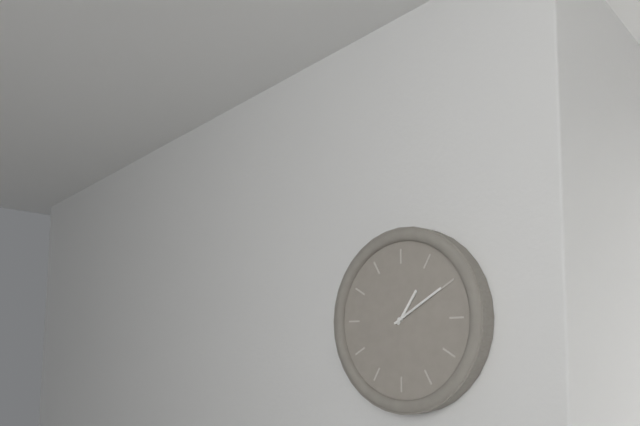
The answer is 1:10
